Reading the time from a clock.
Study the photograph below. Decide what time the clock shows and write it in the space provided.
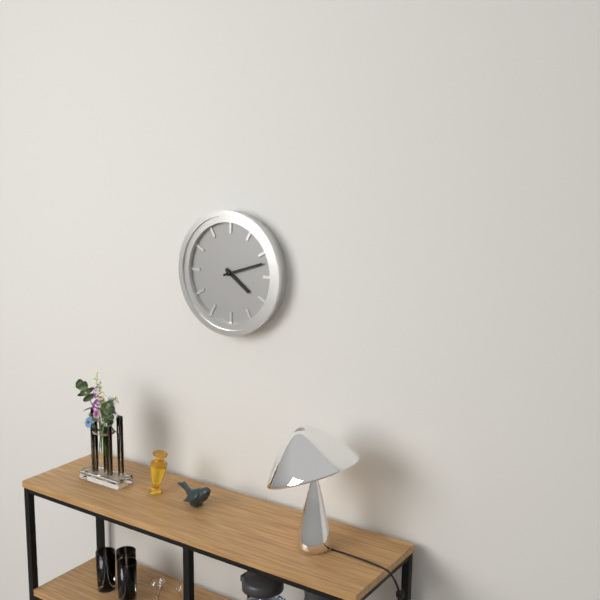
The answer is 4:12
